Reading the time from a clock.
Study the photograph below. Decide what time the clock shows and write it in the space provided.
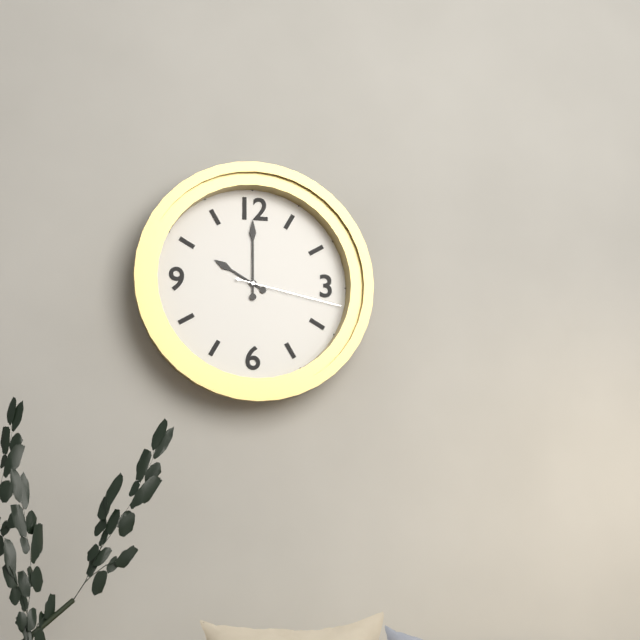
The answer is 10:00:17
